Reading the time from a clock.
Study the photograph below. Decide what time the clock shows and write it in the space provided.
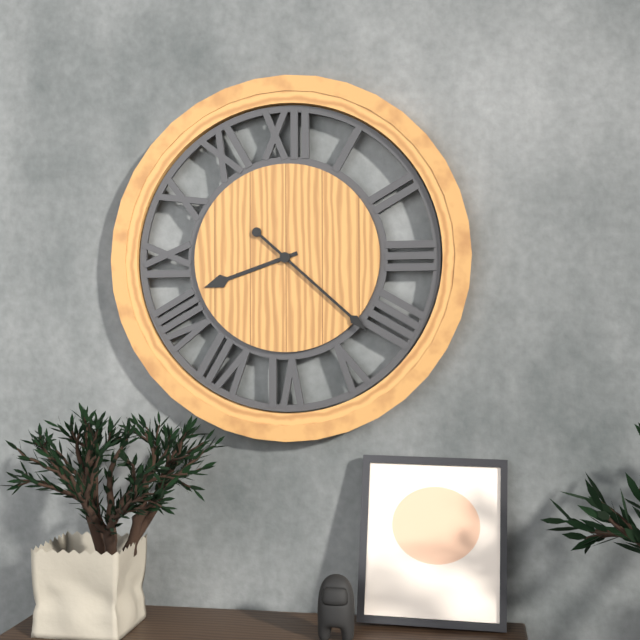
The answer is 8:22
